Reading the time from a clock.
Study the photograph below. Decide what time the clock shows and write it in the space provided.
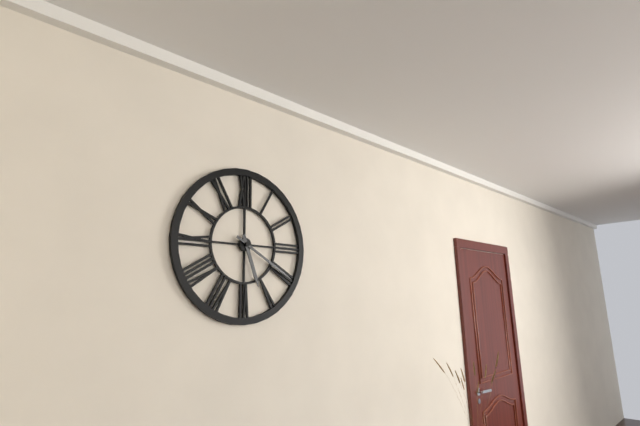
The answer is 5:20
